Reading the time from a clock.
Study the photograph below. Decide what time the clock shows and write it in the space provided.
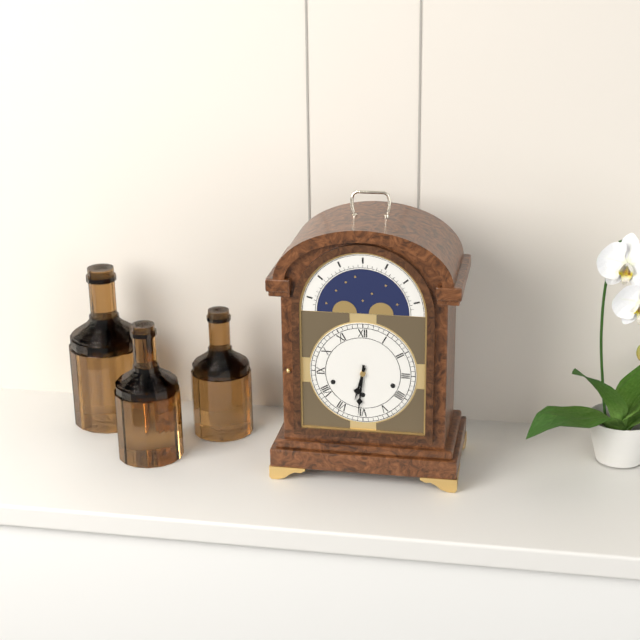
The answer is 6:31
